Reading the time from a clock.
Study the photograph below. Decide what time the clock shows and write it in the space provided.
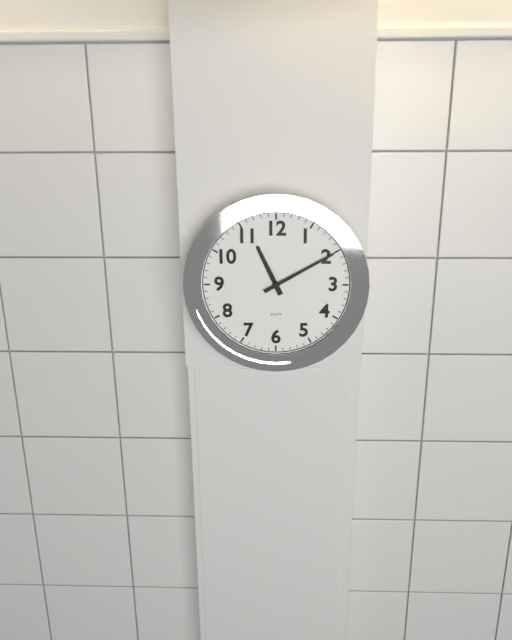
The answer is 11:10
